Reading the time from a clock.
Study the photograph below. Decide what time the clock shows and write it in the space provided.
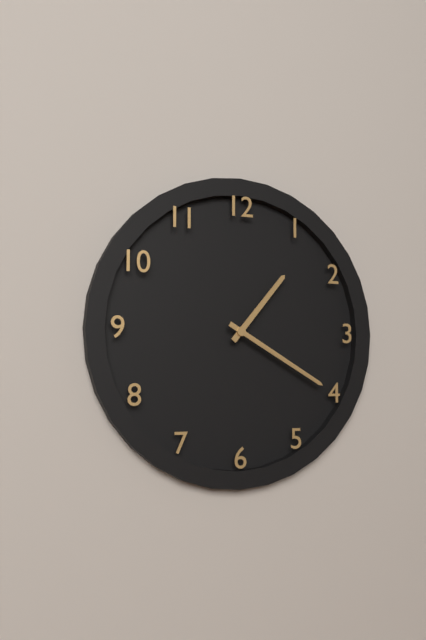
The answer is 1:20
